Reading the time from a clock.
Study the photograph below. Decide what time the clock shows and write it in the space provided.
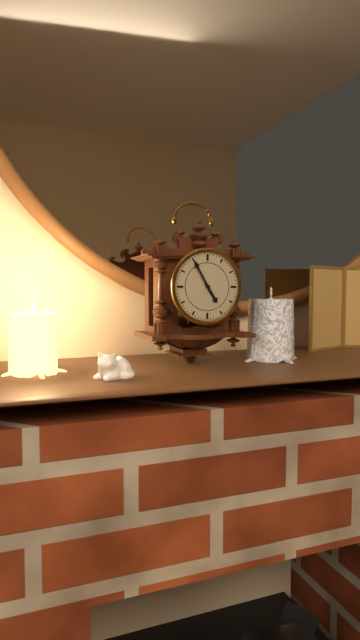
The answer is 4:55
